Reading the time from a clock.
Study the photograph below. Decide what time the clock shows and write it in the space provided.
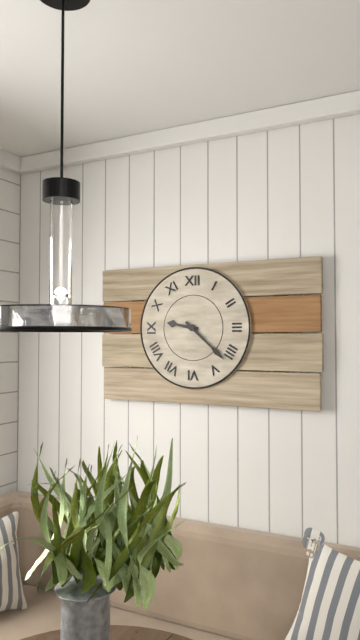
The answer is 9:22
